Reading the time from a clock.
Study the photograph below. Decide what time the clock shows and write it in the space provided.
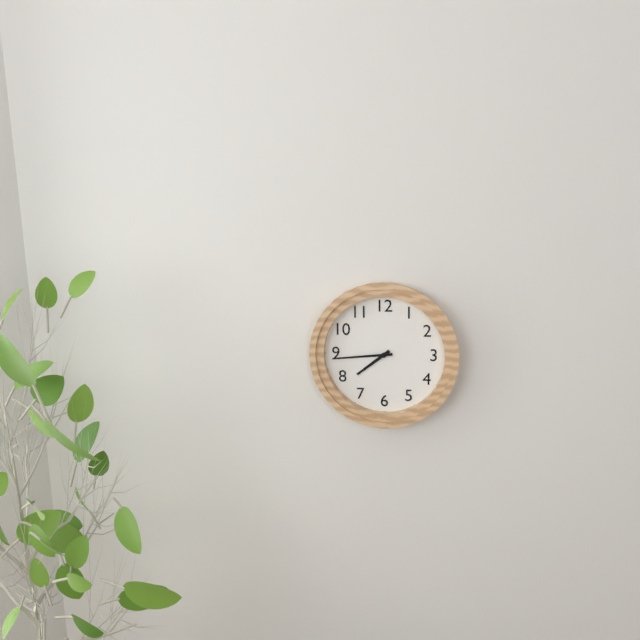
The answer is 7:44
